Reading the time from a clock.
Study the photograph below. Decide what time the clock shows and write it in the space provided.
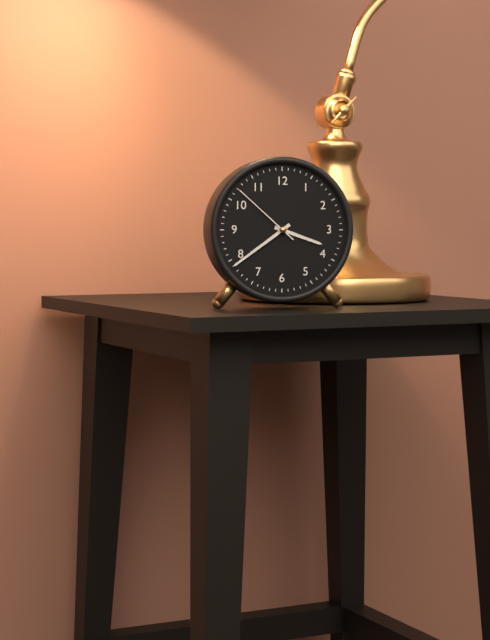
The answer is 3:39:52
